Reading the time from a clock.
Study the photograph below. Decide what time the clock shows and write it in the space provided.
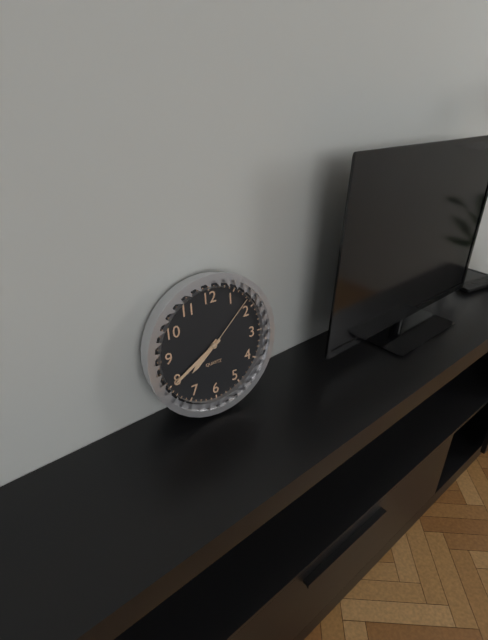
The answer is 7:40:08
